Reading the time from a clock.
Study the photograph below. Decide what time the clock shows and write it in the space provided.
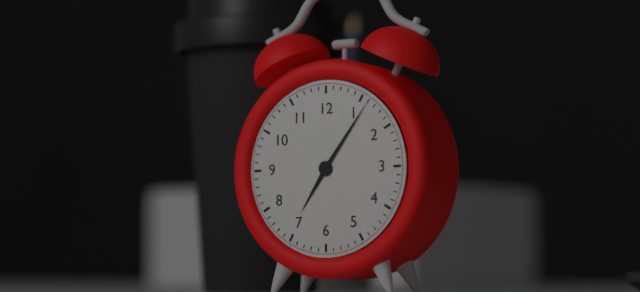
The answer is 7:06
